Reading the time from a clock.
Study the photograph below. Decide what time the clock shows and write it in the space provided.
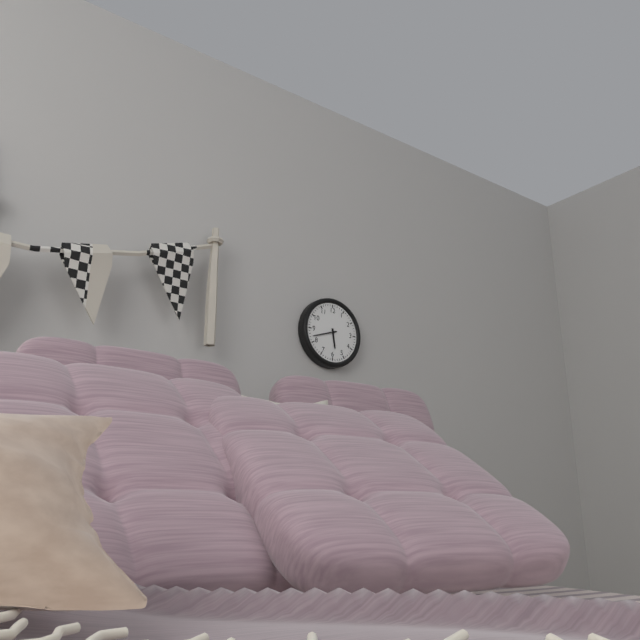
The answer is 5:42
